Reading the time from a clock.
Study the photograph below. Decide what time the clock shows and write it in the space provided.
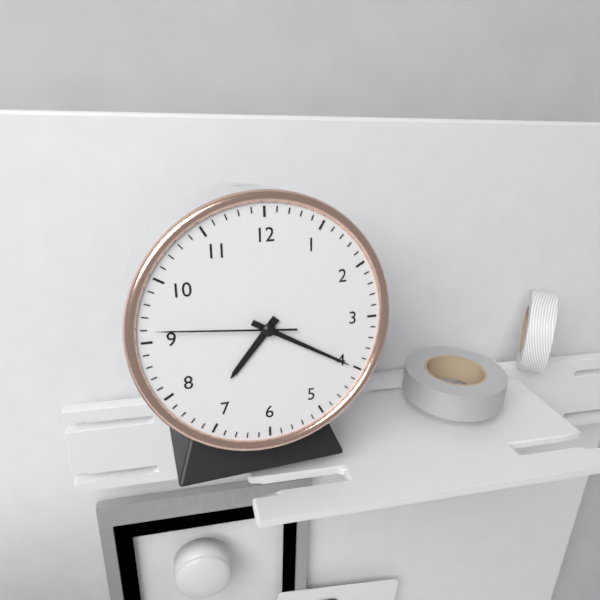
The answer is 7:20:46
